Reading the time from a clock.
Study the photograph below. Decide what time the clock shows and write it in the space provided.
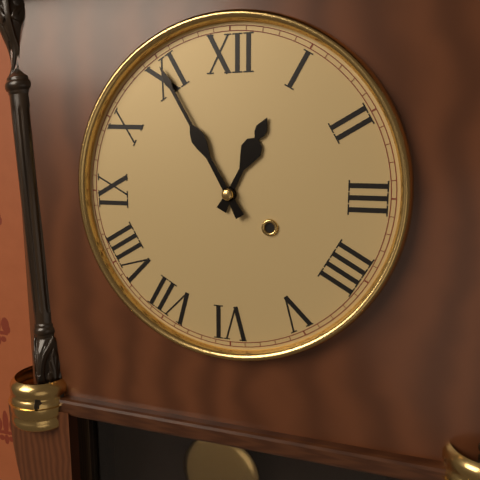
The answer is 12:55
